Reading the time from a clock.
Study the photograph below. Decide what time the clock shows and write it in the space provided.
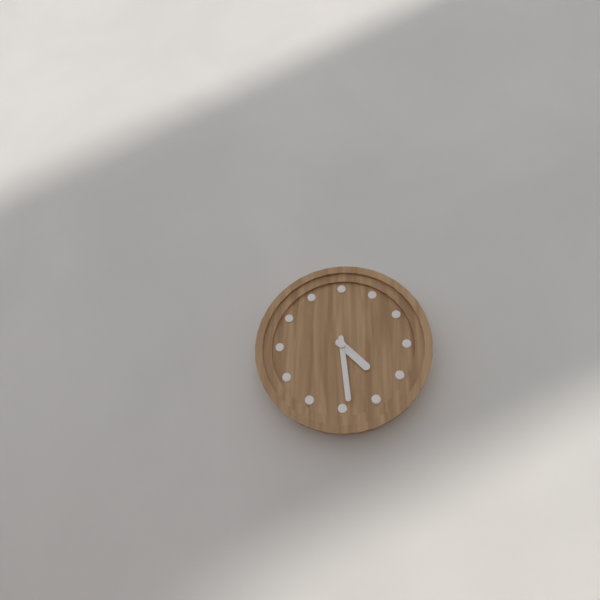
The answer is 4:29
